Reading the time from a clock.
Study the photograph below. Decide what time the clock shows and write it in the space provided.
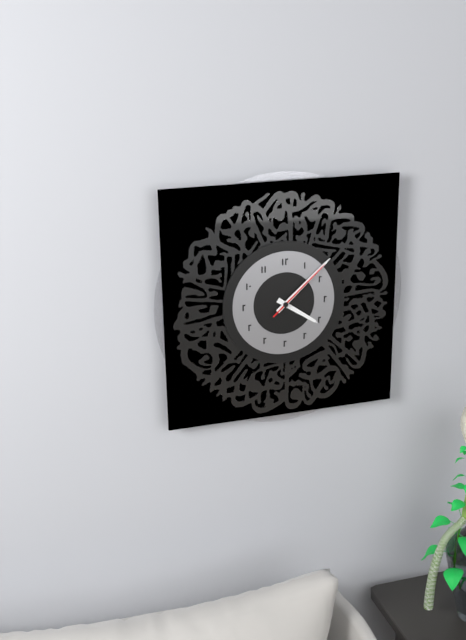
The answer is 4:08:08
